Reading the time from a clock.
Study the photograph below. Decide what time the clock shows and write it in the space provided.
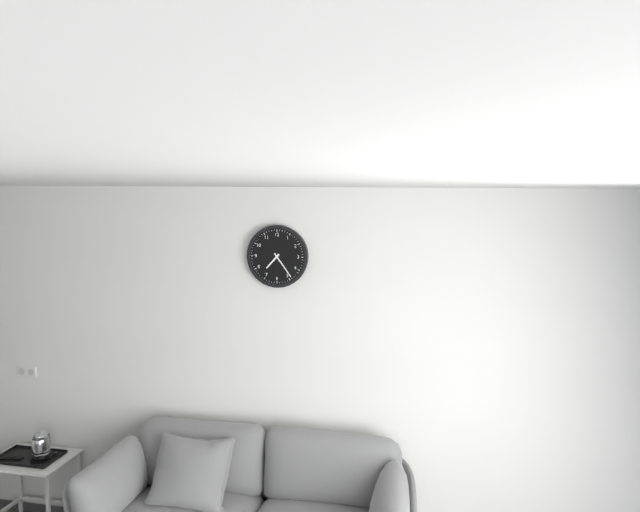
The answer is 7:24
